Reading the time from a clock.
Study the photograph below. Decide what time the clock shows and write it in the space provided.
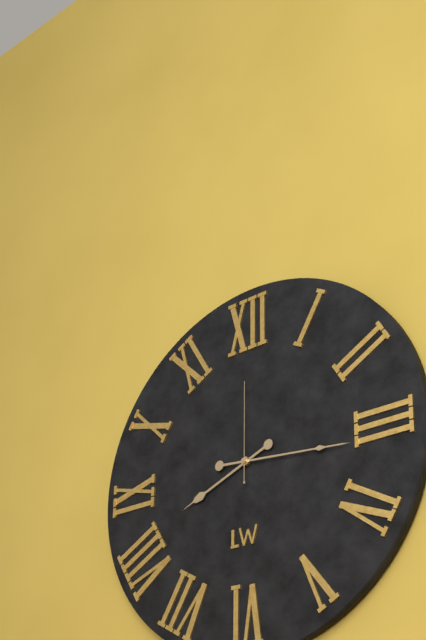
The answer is 8:16:00
